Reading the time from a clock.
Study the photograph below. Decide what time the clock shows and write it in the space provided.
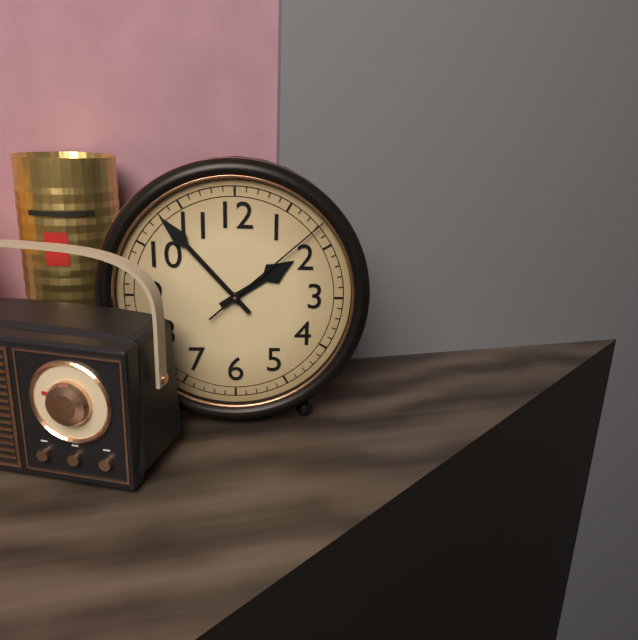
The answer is 1:53:08
